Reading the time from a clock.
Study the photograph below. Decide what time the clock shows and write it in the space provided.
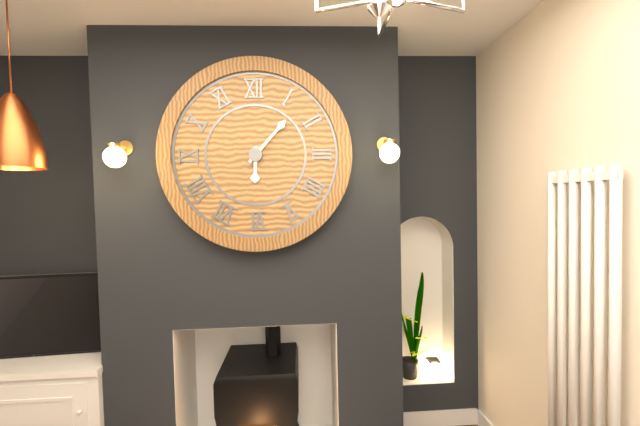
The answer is 6:07
